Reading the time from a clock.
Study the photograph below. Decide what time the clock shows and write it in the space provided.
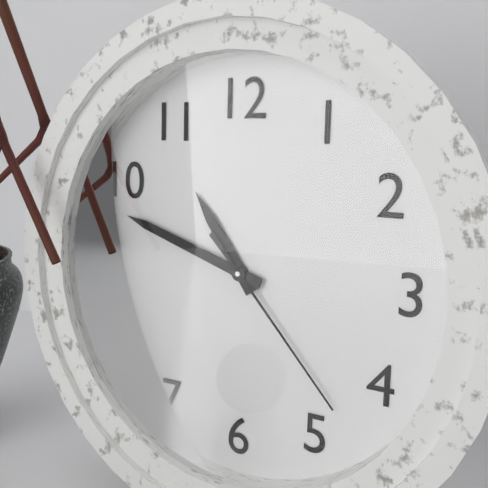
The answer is 10:48:23
